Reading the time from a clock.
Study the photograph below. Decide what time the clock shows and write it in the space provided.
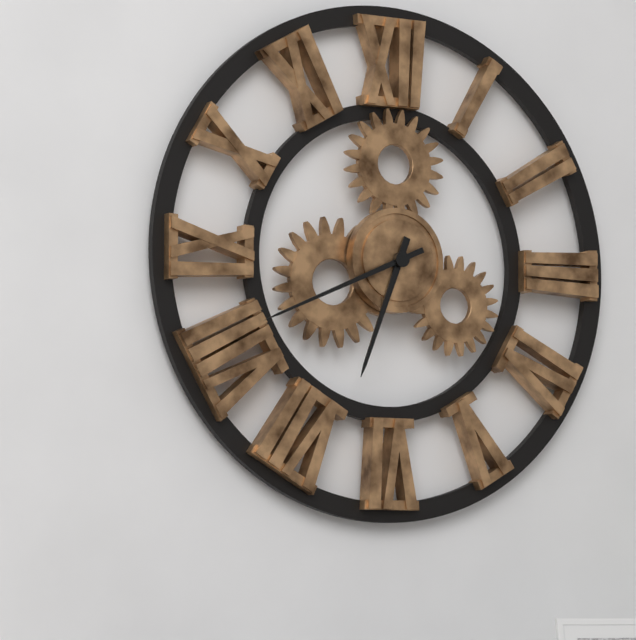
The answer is 6:41
